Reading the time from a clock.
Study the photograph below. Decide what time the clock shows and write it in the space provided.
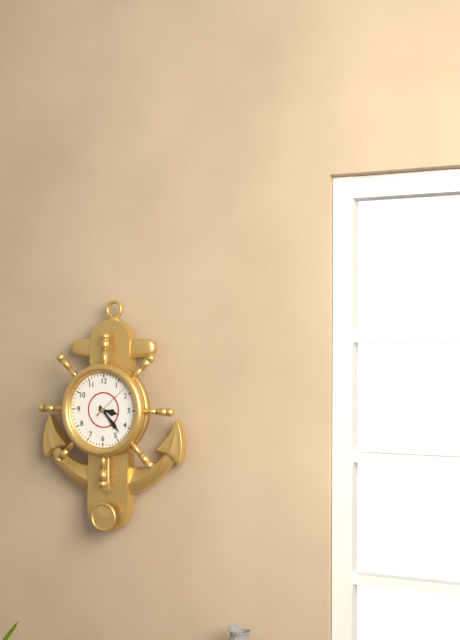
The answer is 3:23
